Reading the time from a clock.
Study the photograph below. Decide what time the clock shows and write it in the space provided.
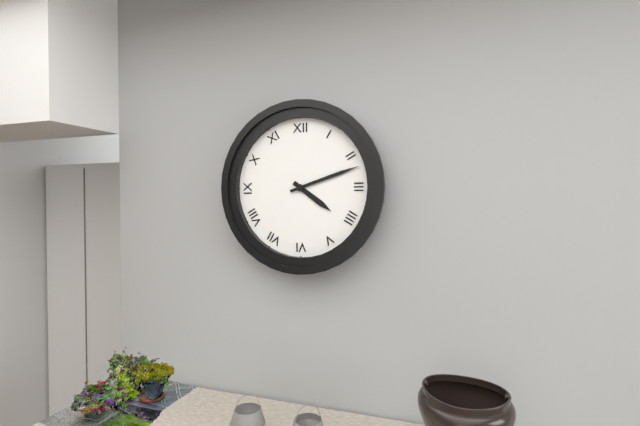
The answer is 4:12
